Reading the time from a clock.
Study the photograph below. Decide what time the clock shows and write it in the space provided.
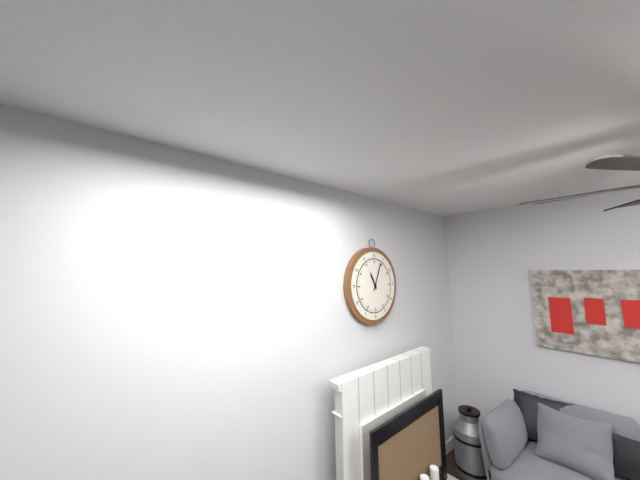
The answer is 11:04
